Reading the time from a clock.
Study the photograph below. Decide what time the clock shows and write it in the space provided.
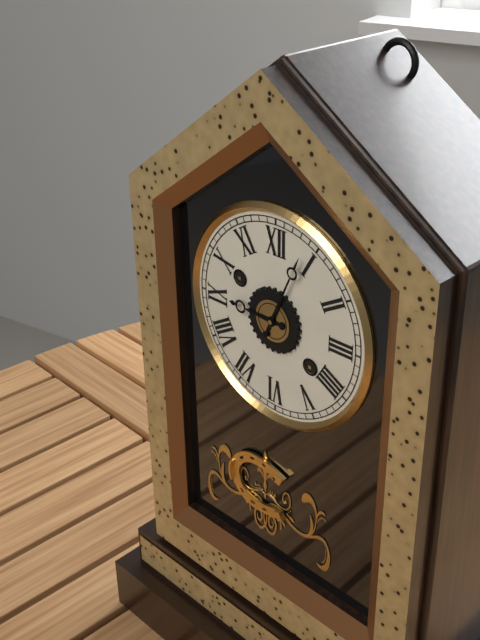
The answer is 9:04
